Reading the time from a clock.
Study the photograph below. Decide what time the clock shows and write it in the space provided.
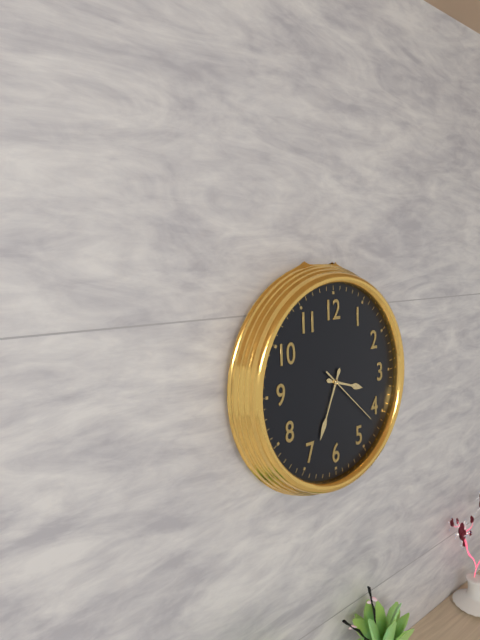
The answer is 3:34:22
